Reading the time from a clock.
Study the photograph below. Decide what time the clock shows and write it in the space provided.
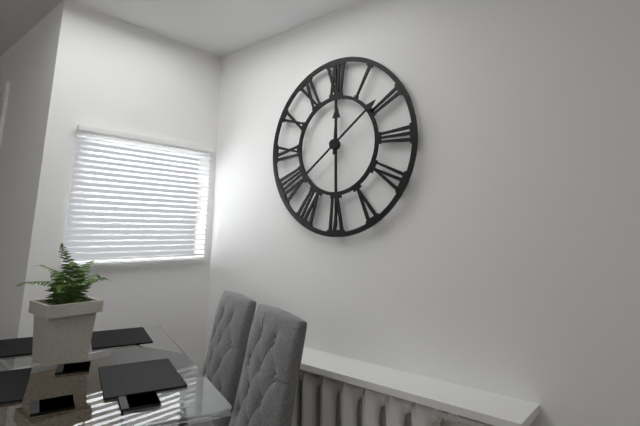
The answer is 12:09
